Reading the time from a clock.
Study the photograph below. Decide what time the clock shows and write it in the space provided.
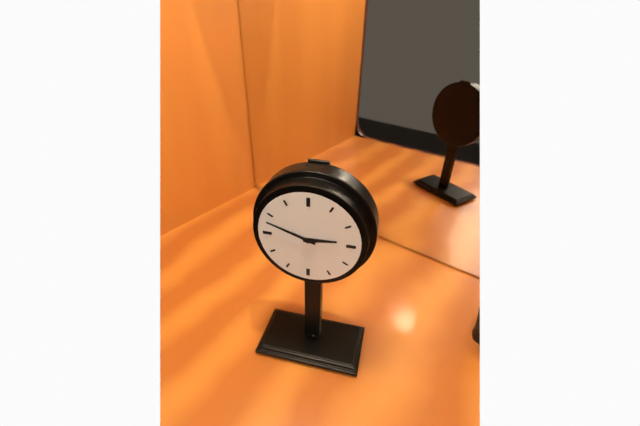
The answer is 2:48
